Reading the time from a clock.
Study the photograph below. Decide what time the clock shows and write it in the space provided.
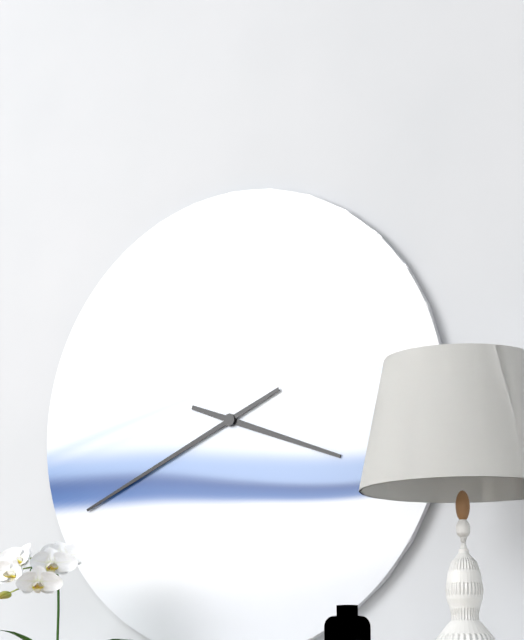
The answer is 3:41
